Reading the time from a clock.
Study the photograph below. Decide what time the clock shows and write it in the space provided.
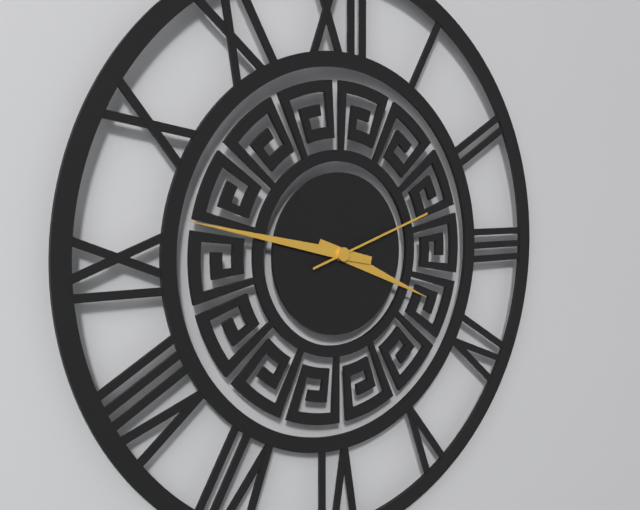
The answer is 3:47:12
